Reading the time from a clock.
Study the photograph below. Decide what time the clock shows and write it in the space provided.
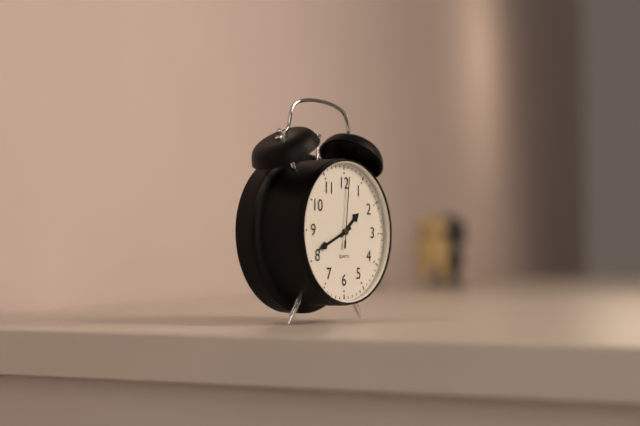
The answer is 1:41:01
